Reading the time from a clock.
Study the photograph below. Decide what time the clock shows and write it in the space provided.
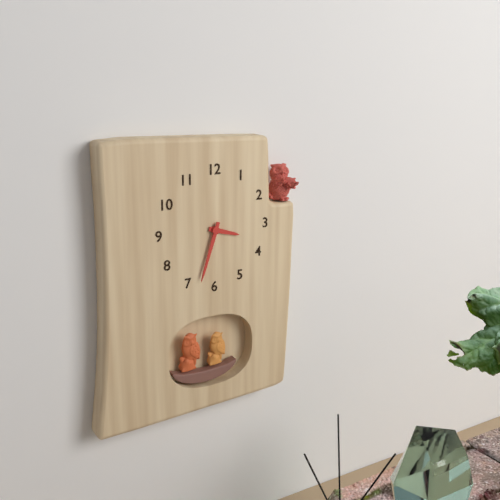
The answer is 3:33
